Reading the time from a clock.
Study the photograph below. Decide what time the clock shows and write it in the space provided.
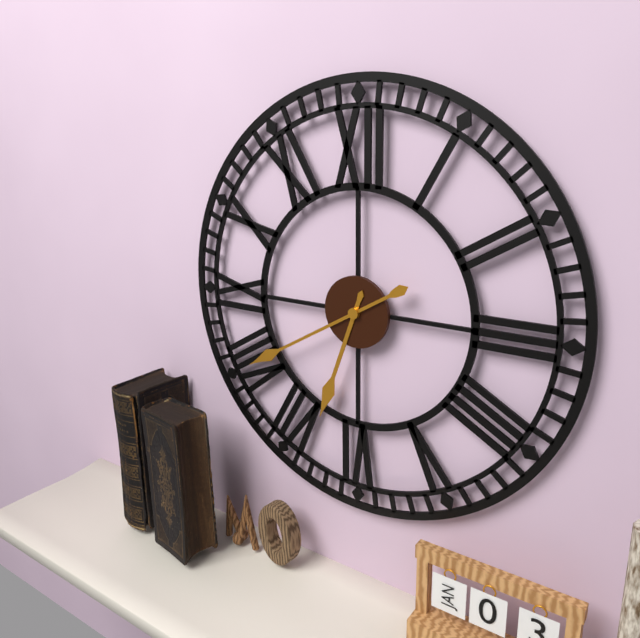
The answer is 6:40
